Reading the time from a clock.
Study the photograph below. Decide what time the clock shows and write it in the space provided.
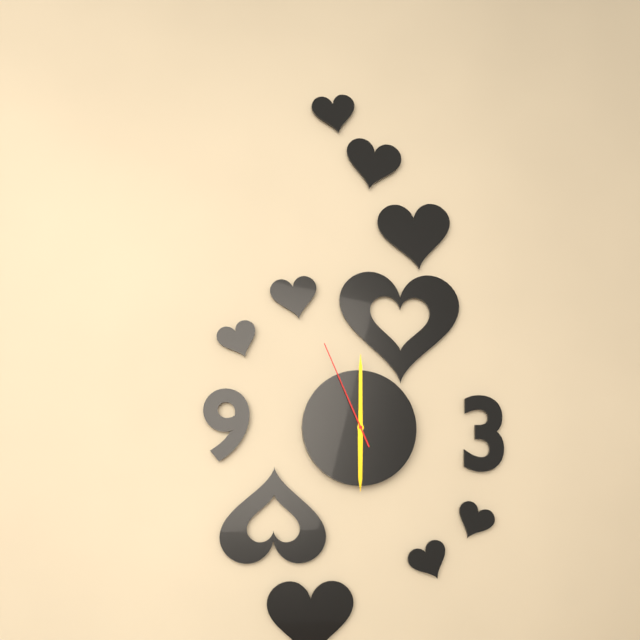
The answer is 6:00:56
